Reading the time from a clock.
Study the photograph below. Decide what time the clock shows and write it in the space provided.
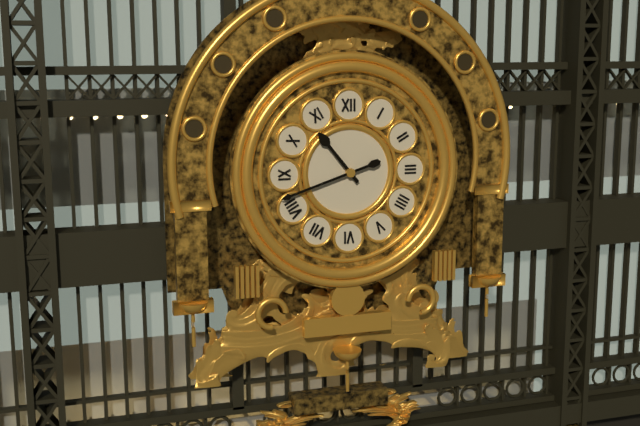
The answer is 10:42
